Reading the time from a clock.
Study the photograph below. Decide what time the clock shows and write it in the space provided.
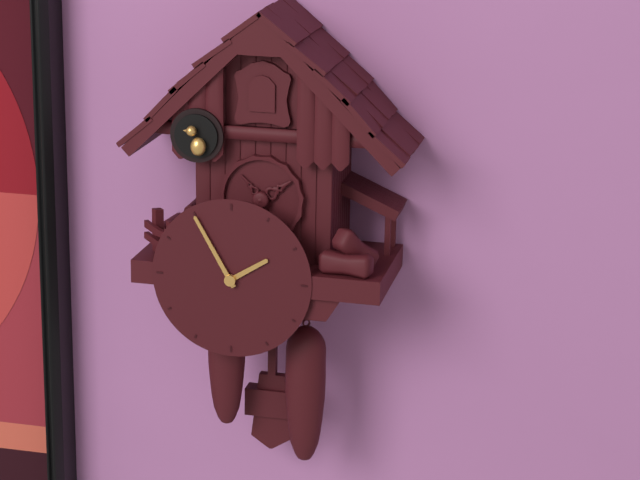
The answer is 1:55
